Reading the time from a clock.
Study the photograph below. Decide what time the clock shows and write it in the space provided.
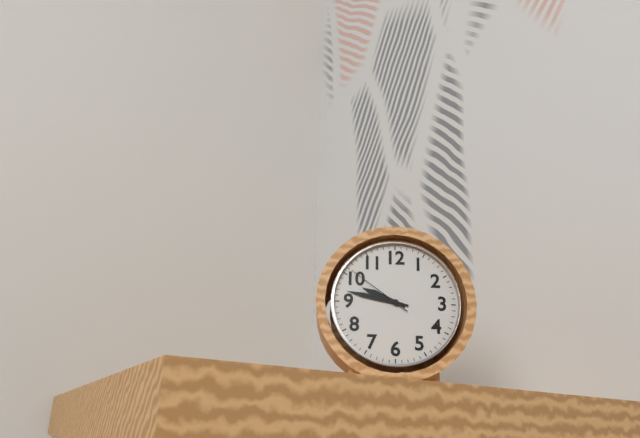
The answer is 9:47:51
